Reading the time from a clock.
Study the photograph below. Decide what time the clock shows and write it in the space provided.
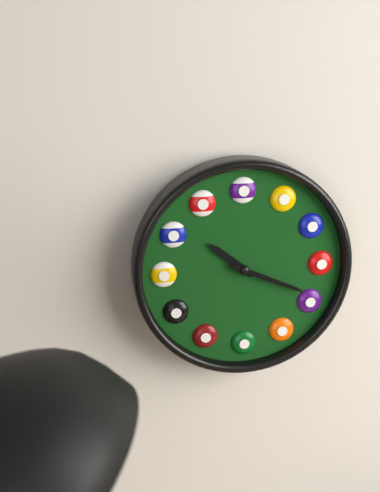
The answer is 10:19
